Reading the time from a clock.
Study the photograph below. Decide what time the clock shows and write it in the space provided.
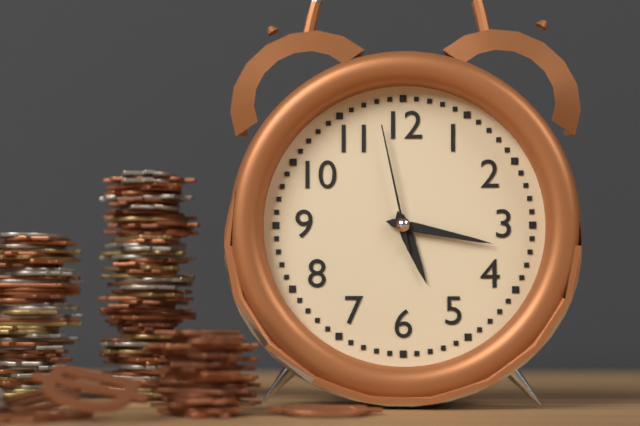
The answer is 5:17:58
